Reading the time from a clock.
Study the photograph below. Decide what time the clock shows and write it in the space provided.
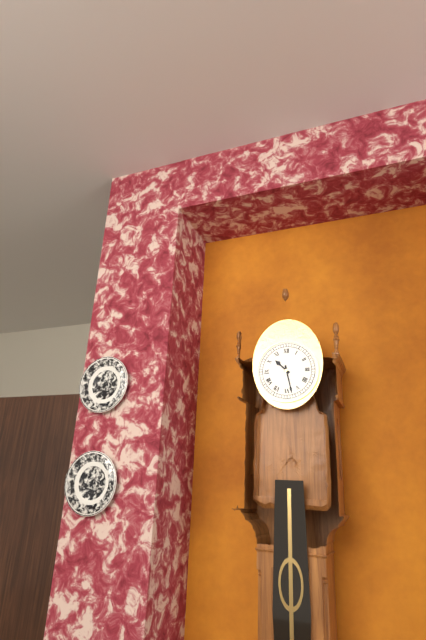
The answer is 10:28
